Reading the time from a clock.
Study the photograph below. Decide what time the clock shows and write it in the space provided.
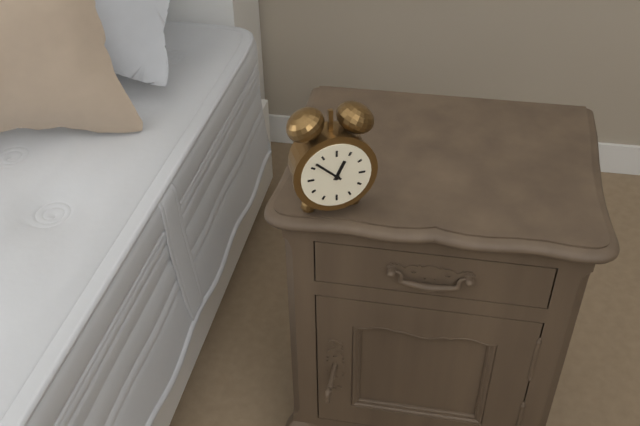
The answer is 12:52
